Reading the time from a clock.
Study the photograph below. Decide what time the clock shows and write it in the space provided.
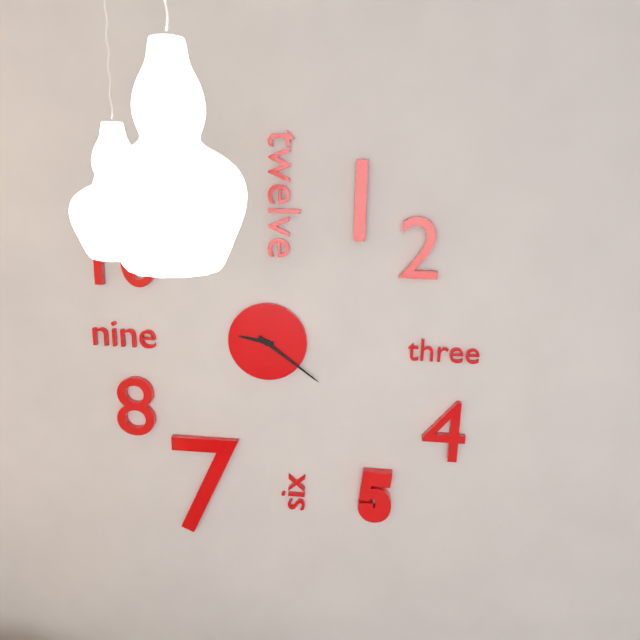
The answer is 9:21
